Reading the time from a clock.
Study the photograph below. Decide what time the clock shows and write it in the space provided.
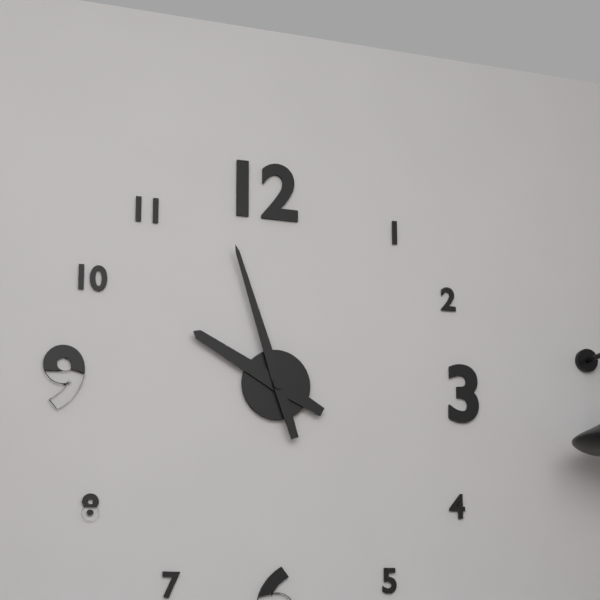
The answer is 9:57
